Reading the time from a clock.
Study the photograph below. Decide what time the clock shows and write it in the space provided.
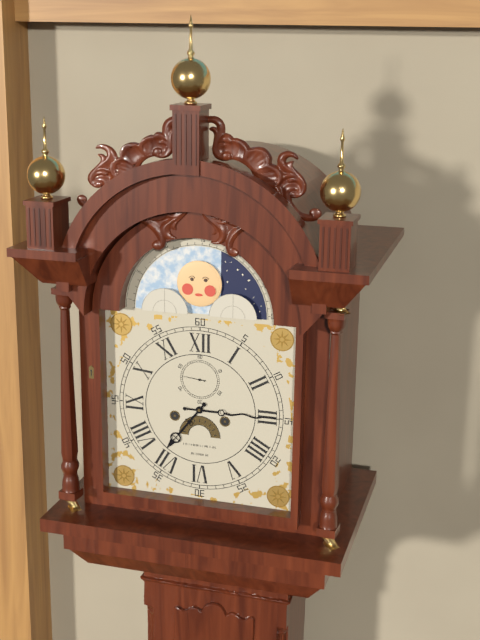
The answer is 7:15
